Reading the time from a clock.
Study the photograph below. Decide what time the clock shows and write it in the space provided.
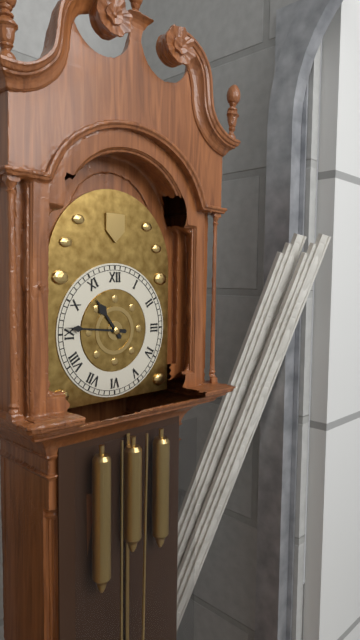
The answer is 10:46
